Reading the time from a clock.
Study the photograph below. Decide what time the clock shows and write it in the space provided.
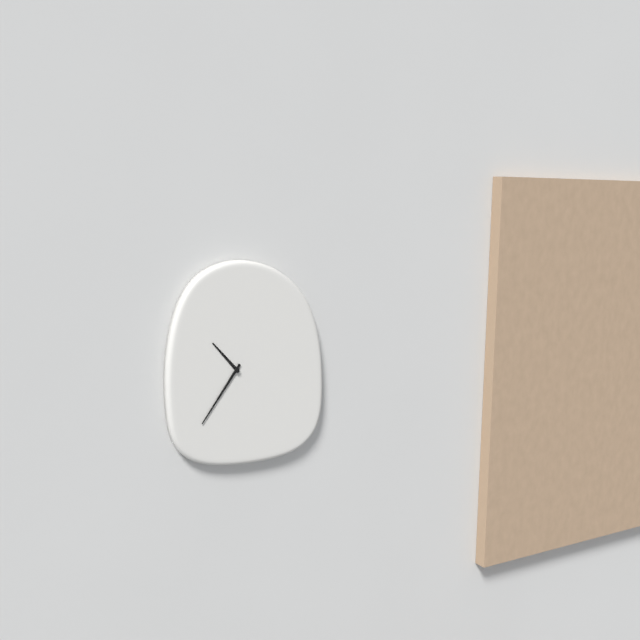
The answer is 10:36
